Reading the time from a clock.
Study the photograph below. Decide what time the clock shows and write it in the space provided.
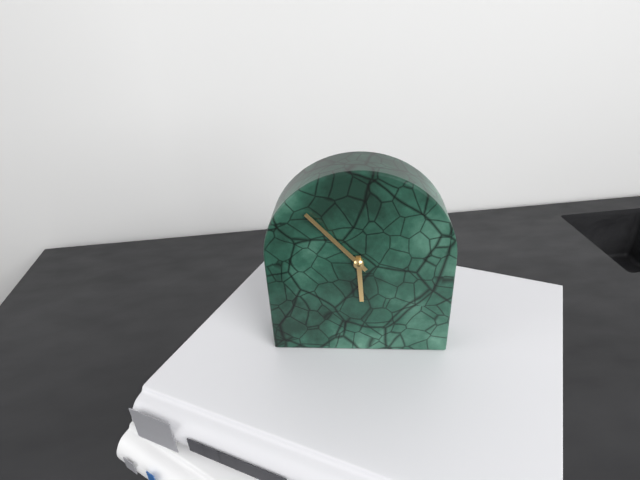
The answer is 5:53
